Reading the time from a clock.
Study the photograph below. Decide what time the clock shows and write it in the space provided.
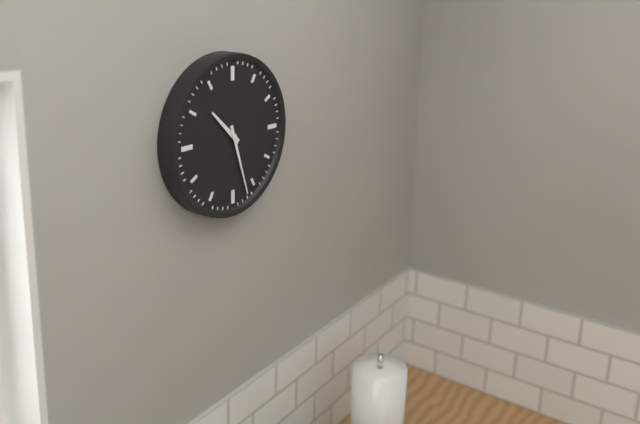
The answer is 10:27
